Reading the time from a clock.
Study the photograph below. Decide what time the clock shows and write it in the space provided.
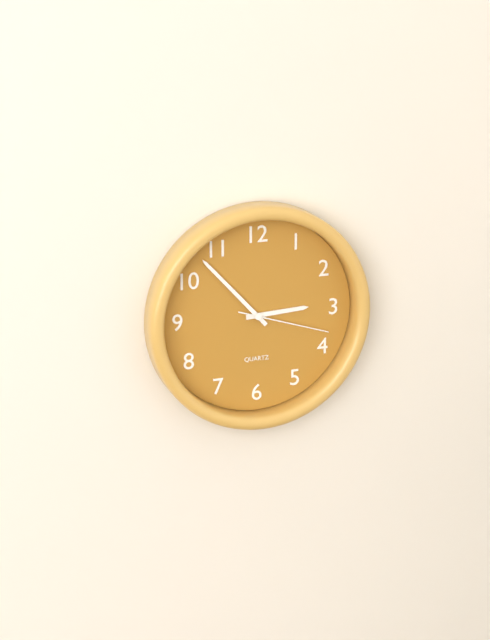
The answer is 2:53:18
